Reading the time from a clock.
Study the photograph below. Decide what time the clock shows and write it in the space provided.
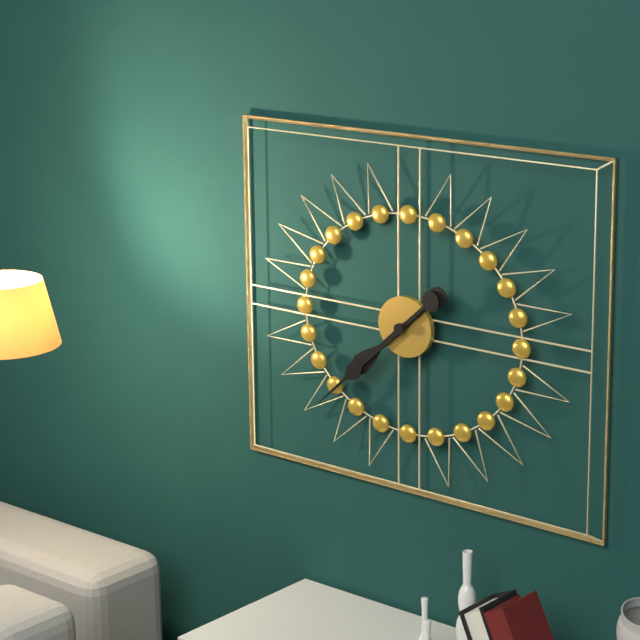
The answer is 7:38
